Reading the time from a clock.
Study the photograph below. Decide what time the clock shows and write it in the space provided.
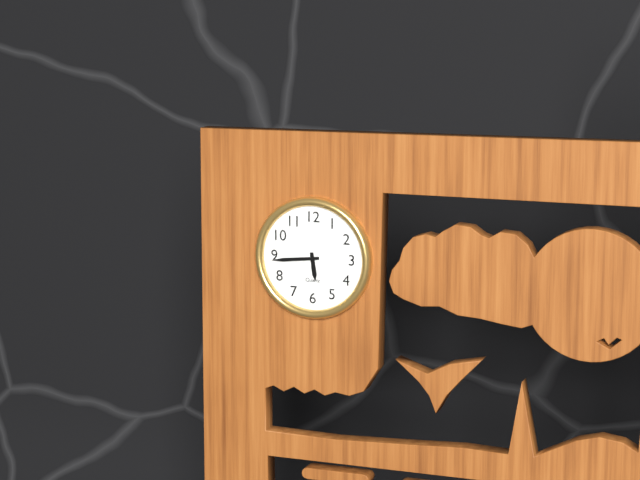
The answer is 5:44
